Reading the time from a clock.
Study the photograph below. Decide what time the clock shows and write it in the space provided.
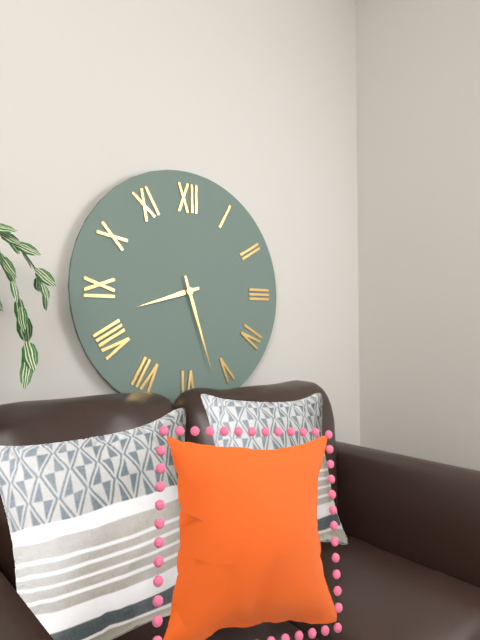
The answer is 8:27
